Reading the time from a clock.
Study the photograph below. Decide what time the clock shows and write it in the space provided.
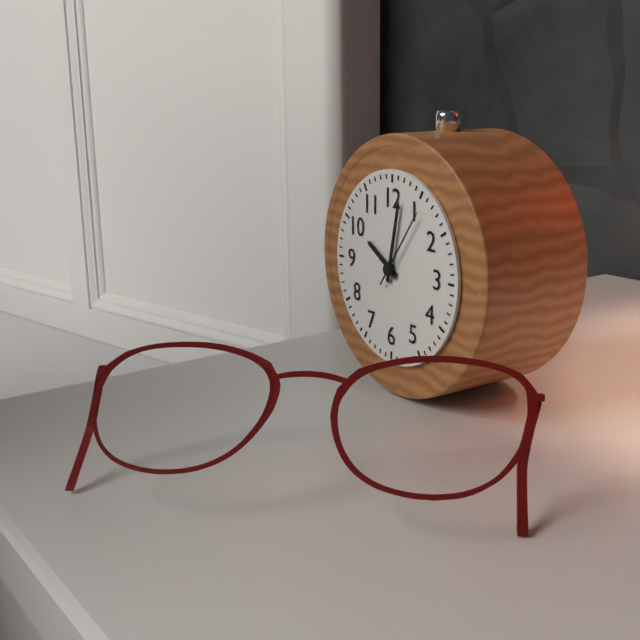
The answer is 10:02:06
